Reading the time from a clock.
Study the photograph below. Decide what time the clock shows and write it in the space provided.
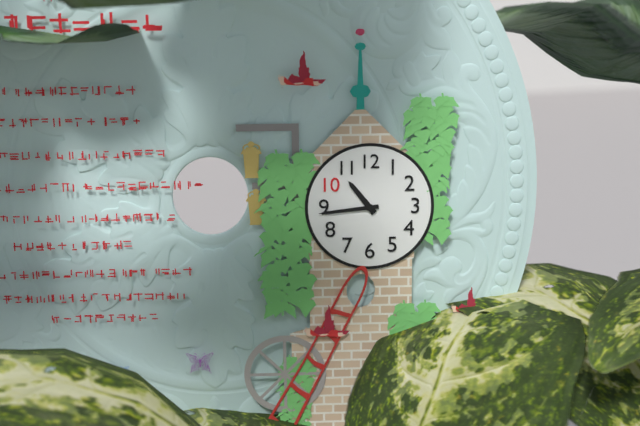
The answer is 10:44
